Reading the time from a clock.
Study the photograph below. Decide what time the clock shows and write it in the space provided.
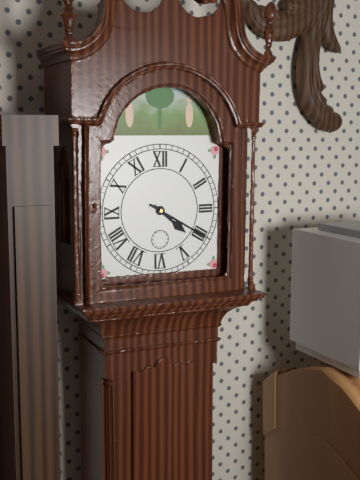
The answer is 4:20
